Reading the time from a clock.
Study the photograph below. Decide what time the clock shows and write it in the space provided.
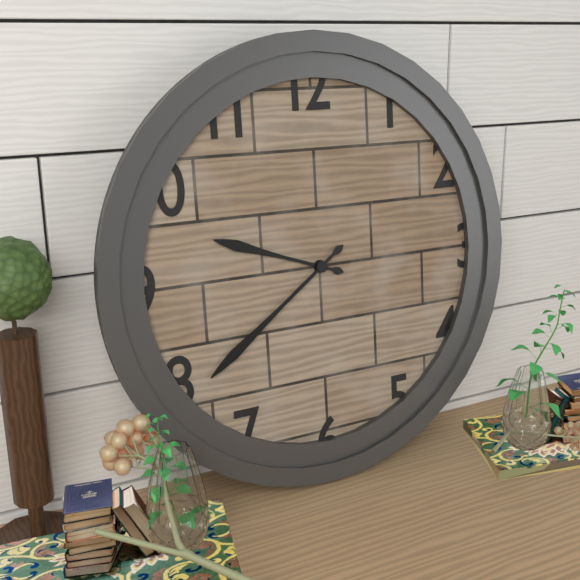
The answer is 9:39
